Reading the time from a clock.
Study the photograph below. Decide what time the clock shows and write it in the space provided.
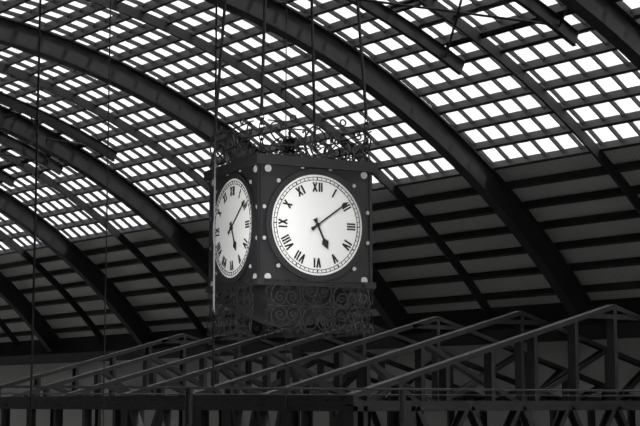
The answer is 5:09
